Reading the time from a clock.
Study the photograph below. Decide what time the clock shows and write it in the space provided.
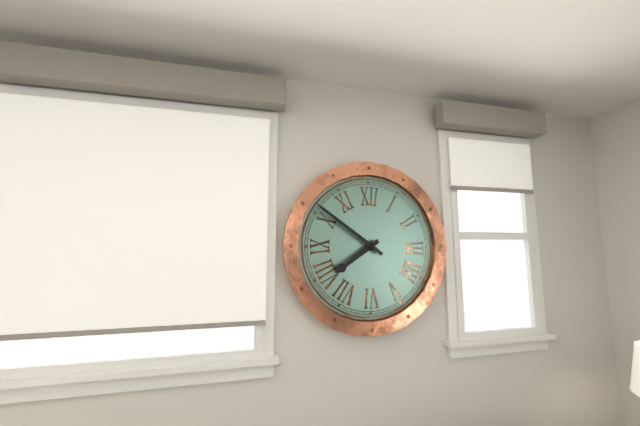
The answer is 7:51
